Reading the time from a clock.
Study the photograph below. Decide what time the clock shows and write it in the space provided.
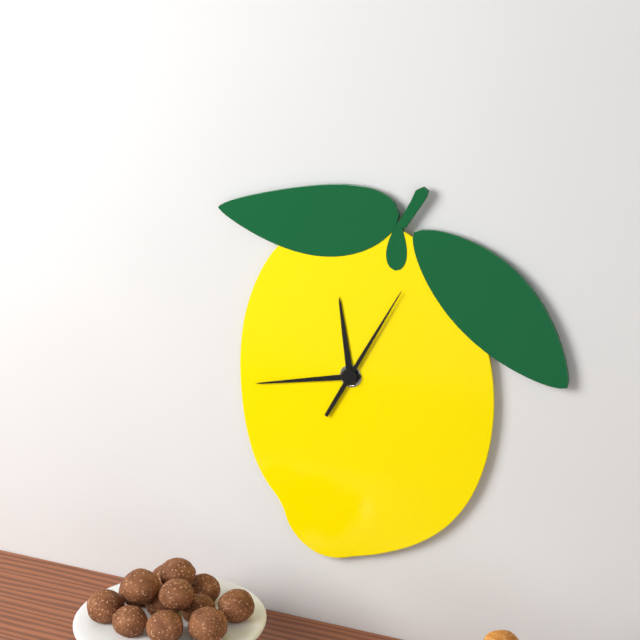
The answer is 11:43:05
